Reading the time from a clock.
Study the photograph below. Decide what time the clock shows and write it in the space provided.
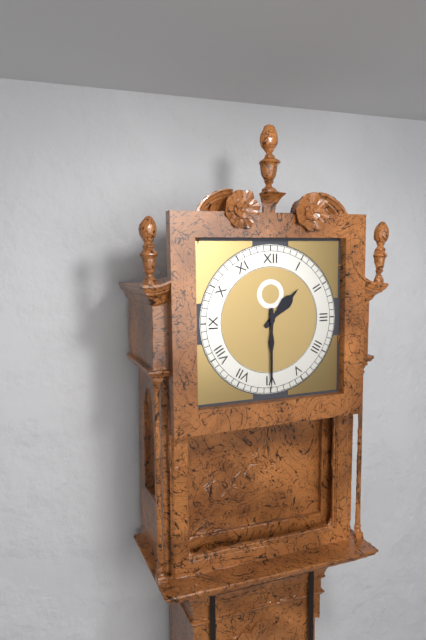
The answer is 1:30
